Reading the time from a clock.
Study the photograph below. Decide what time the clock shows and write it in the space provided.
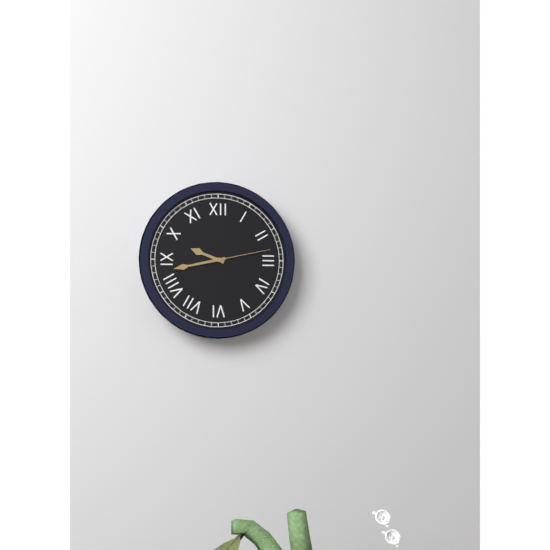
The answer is 9:43:13
